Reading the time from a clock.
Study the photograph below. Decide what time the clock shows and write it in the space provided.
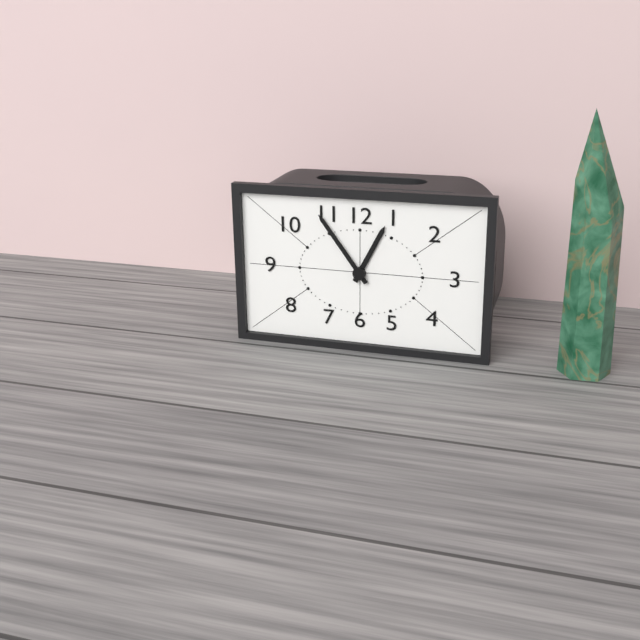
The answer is 12:54
